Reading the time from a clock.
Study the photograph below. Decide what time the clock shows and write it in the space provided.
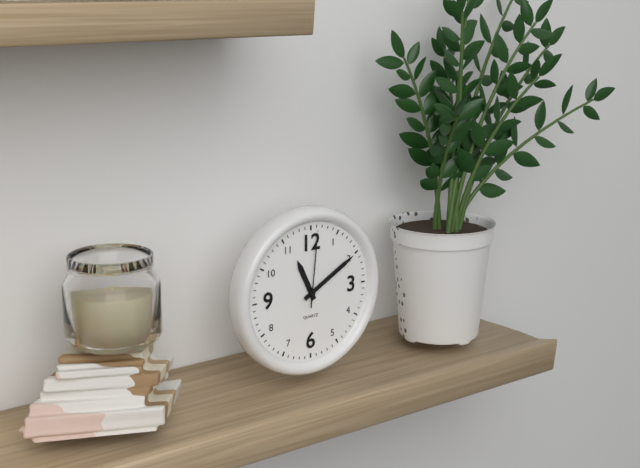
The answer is 11:10:01
